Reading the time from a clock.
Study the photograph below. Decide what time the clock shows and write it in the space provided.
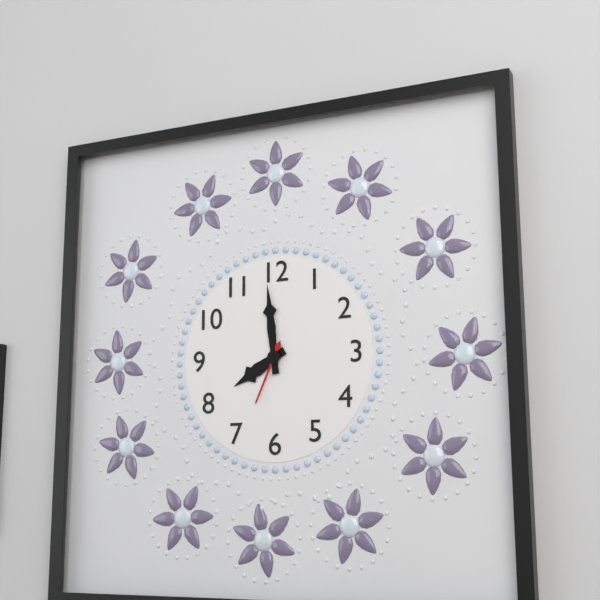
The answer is 7:59:34
